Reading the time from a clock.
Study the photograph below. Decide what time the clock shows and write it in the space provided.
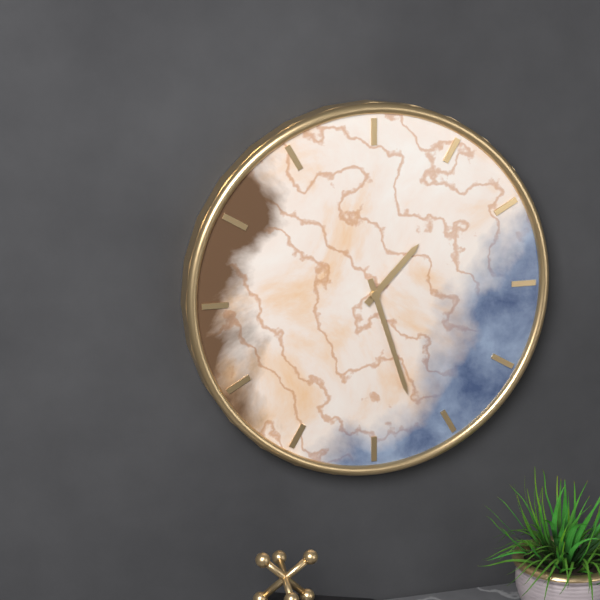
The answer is 1:27
